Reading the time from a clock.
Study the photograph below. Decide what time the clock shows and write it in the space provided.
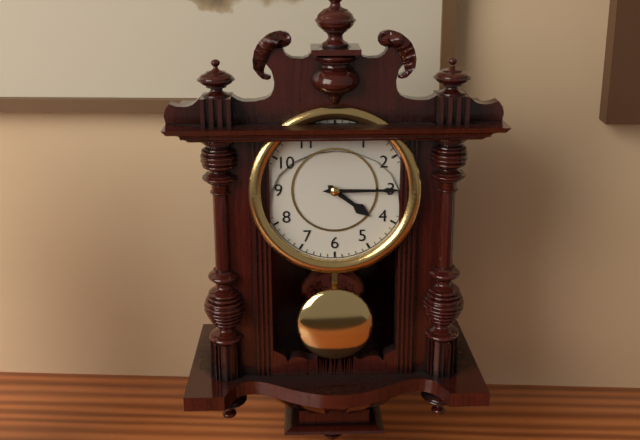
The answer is 4:15
